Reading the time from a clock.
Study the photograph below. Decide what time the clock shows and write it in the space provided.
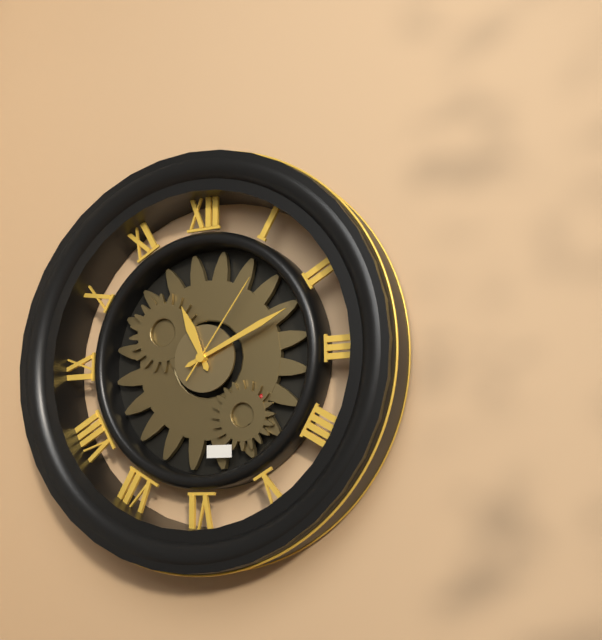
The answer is 11:11:06
